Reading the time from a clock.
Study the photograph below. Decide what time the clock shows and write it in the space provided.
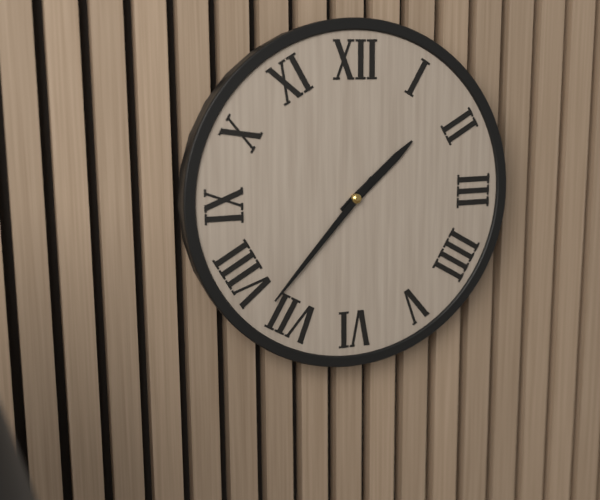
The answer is 1:37
